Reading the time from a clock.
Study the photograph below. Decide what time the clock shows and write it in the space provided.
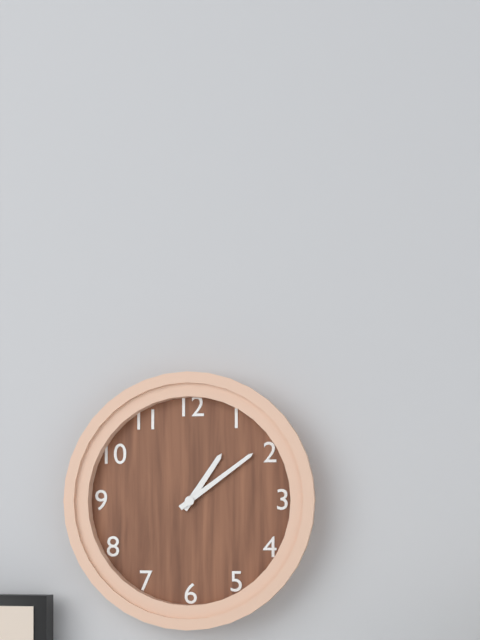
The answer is 1:09
